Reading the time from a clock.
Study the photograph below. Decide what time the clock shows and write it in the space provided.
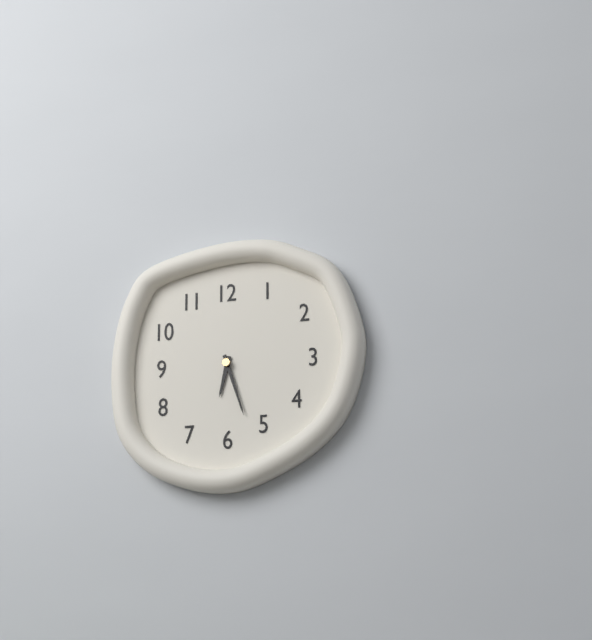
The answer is 6:27
